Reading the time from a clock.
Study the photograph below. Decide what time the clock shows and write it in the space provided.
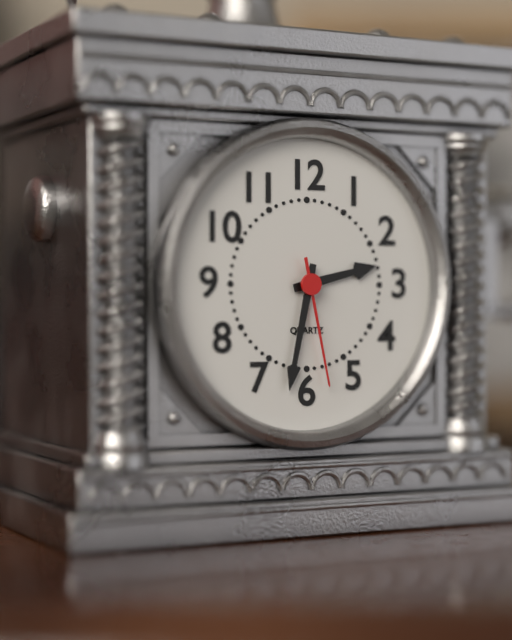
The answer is 2:32:28
